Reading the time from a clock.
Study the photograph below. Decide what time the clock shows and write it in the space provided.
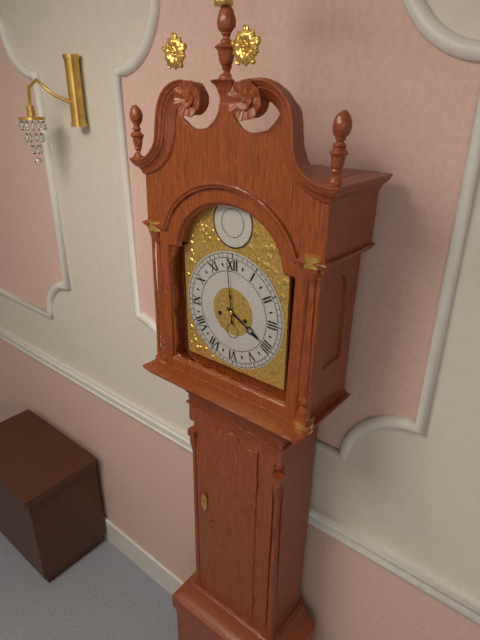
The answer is 3:59
